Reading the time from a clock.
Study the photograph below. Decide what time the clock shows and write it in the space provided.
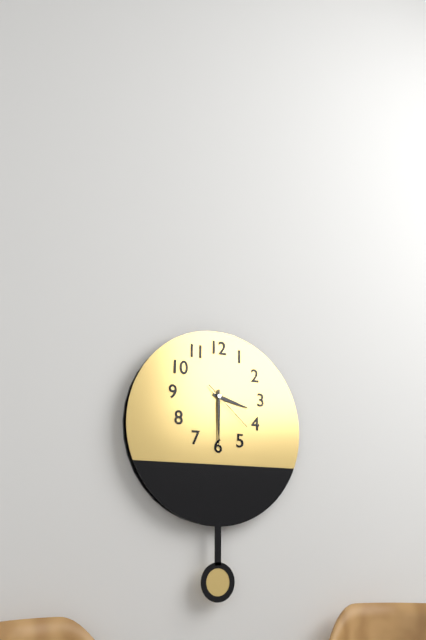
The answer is 3:30:22
